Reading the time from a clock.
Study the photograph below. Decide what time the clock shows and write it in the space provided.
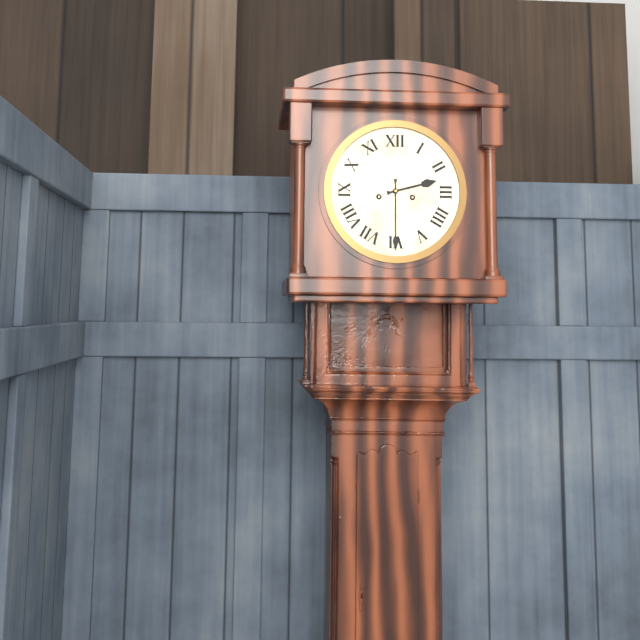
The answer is 2:30
